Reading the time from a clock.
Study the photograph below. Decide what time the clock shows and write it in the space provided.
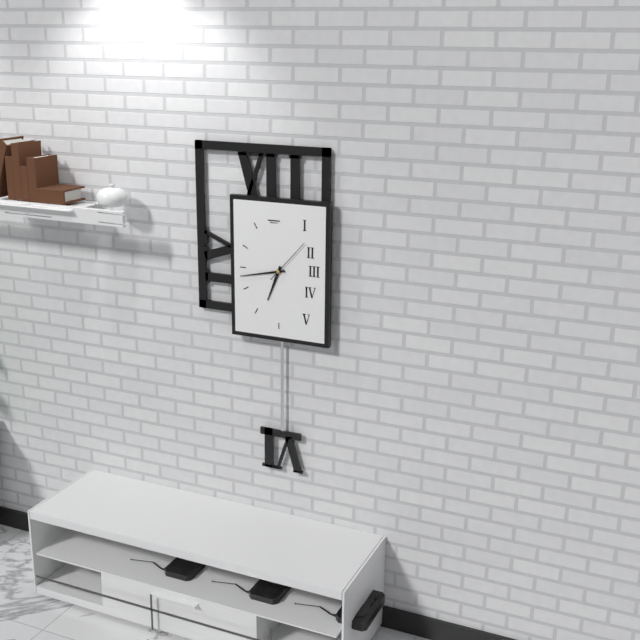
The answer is 6:43
